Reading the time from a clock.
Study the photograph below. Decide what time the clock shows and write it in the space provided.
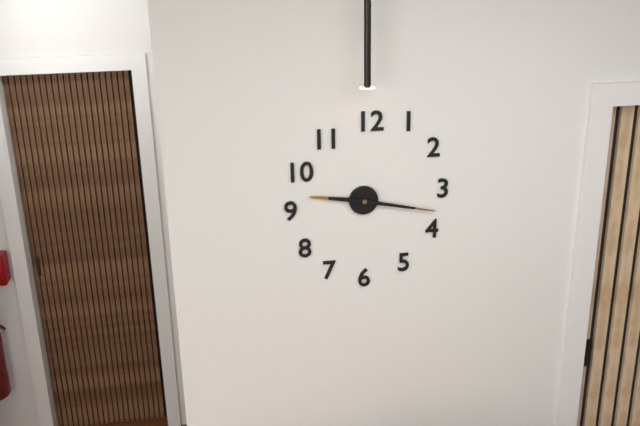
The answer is 9:17
